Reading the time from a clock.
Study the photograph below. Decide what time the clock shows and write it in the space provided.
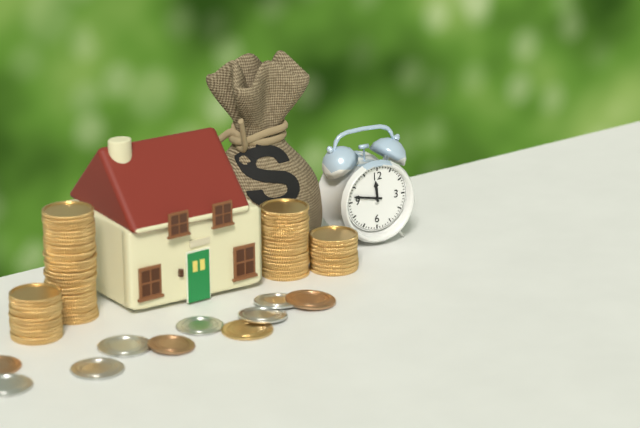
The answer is 11:47
